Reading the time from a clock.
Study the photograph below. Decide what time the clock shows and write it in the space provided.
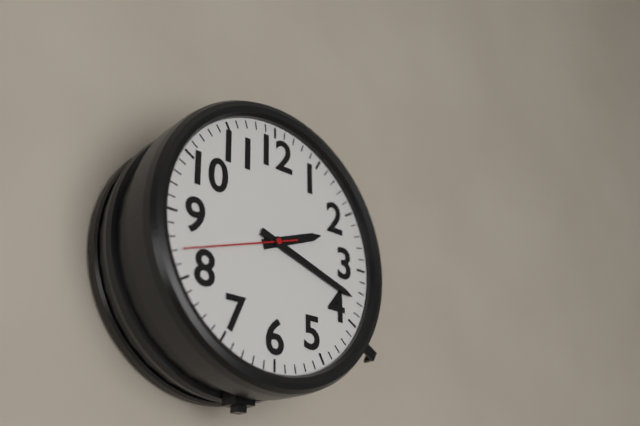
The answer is 2:18:42
